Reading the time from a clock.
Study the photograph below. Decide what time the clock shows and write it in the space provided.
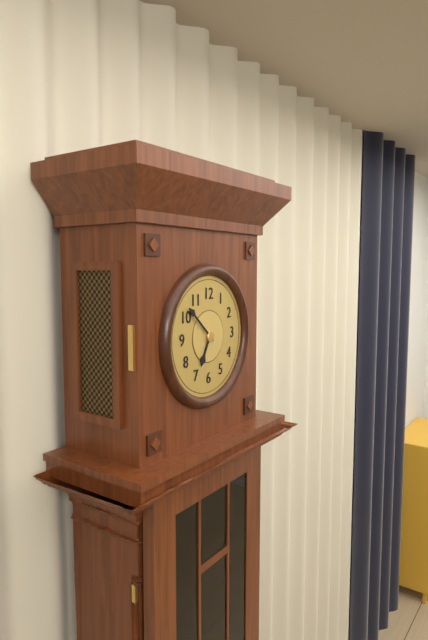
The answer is 6:52
